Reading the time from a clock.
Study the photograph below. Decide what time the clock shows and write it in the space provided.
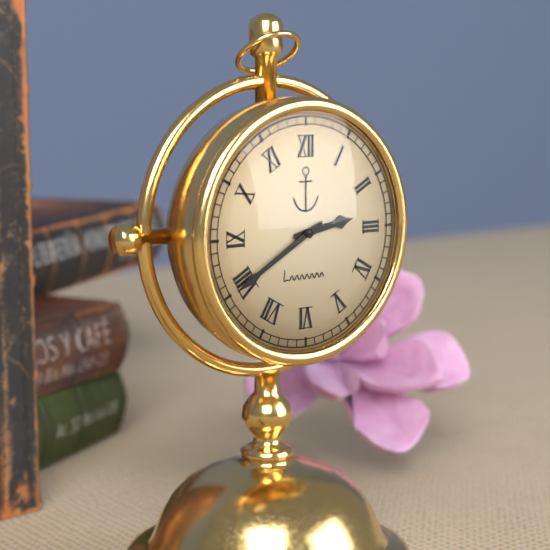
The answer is 2:40
